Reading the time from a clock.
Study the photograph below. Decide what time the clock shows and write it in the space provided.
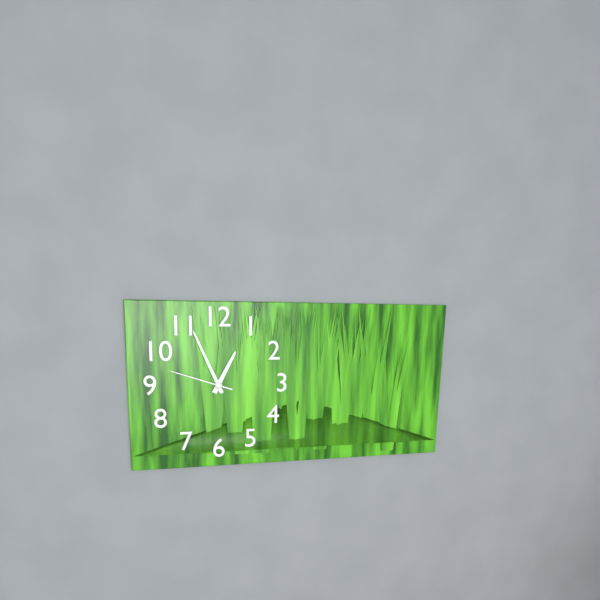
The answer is 12:56:48
